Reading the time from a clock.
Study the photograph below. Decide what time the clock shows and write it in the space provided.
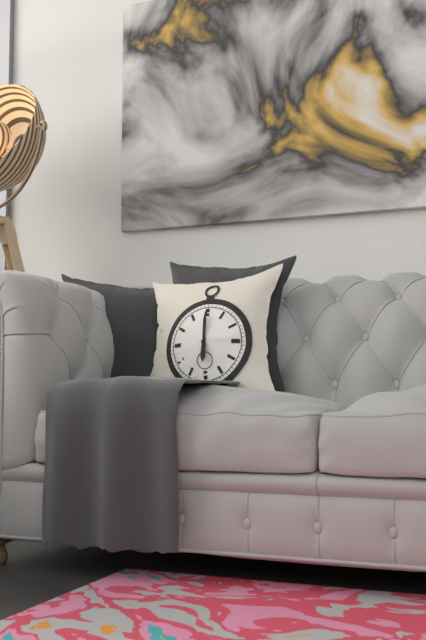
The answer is 6:00
